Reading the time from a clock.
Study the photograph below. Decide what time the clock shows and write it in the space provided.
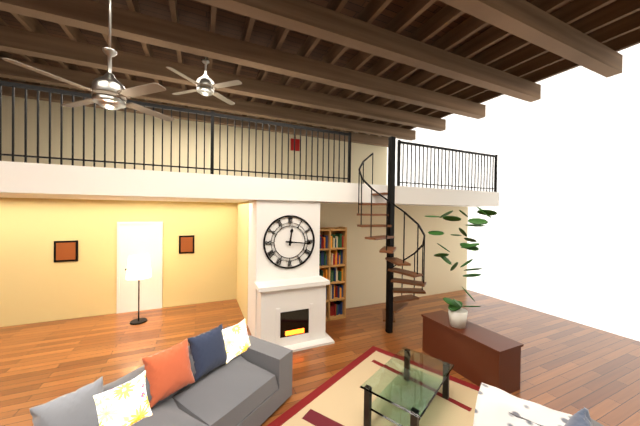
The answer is 12:16
